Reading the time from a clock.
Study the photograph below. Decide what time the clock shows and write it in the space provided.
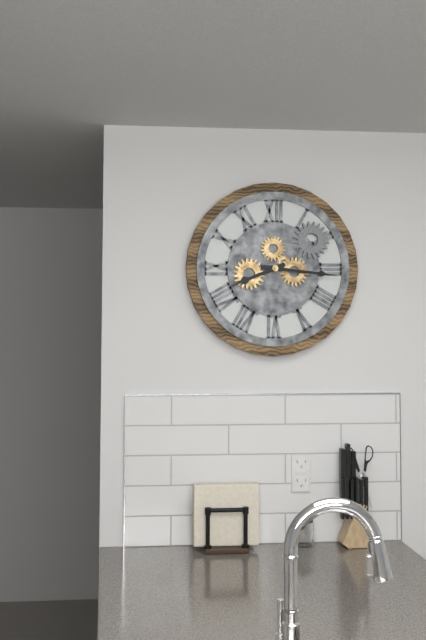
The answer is 8:16
